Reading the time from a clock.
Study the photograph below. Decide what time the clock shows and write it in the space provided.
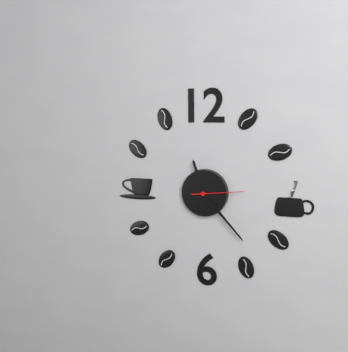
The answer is 11:23:14
